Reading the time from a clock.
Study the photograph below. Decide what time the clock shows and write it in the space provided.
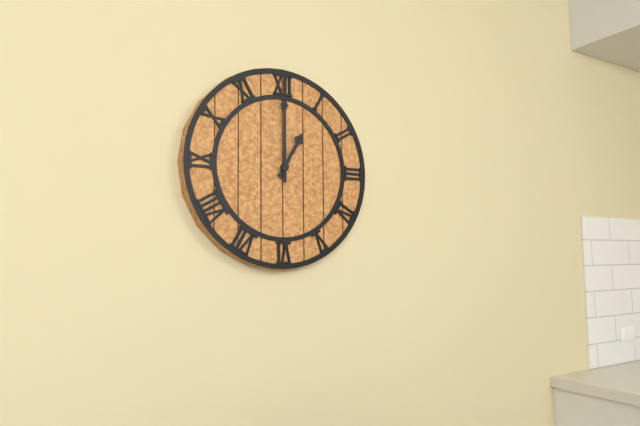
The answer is 1:00
